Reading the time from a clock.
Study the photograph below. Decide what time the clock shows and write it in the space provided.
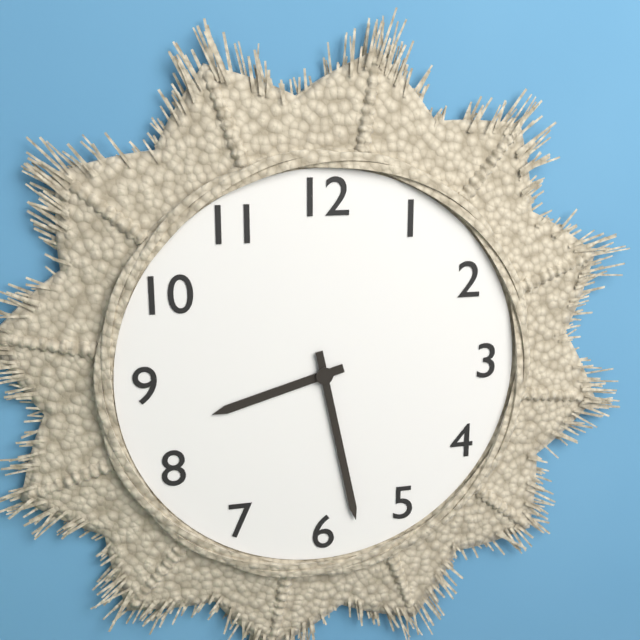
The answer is 8:28
